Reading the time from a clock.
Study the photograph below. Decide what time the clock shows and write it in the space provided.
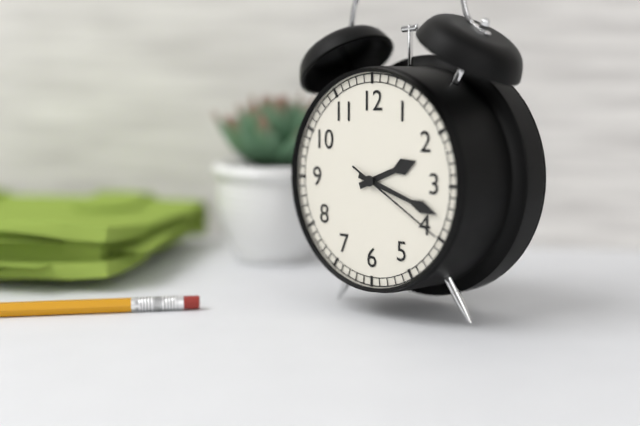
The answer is 2:18:20
